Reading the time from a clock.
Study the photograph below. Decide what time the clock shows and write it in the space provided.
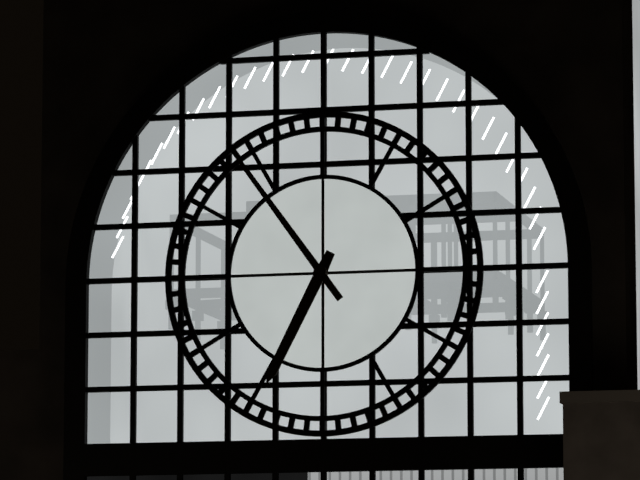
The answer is 6:54
